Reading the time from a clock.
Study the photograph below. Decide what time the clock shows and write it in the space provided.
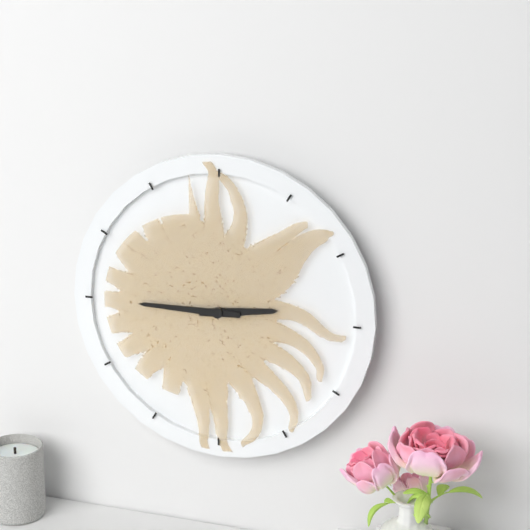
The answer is 2:45
